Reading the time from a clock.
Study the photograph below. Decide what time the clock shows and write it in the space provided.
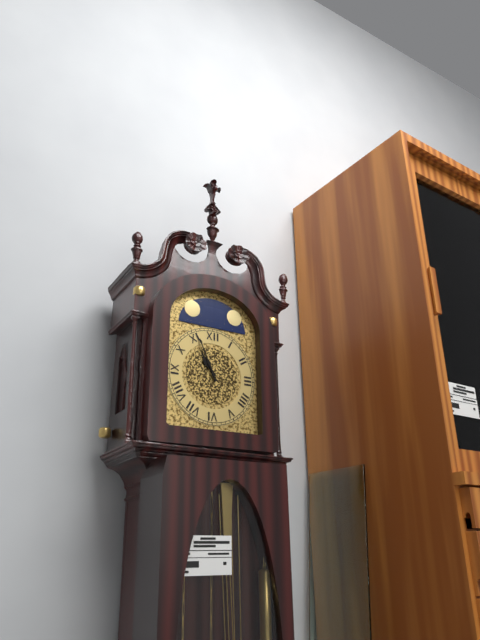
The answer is 10:56
